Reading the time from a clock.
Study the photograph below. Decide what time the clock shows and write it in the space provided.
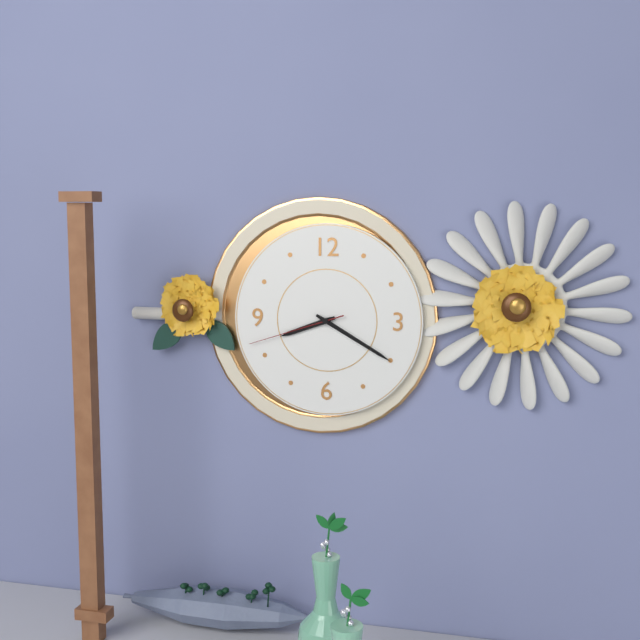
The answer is 8:20:42
